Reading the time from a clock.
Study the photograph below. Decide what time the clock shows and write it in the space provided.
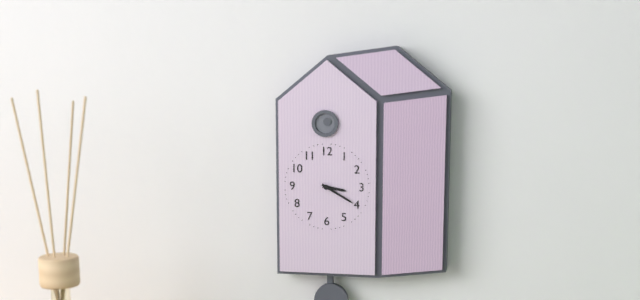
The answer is 3:20
